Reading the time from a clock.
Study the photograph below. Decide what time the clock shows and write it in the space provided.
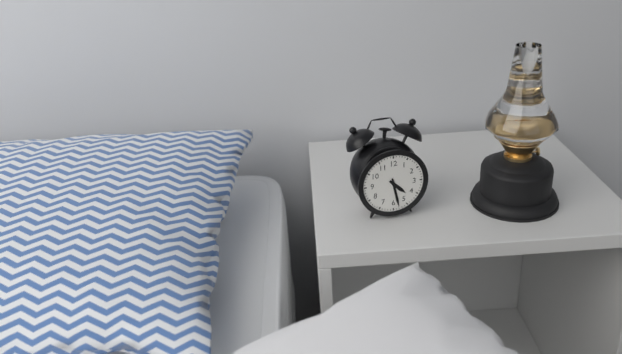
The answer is 4:28
